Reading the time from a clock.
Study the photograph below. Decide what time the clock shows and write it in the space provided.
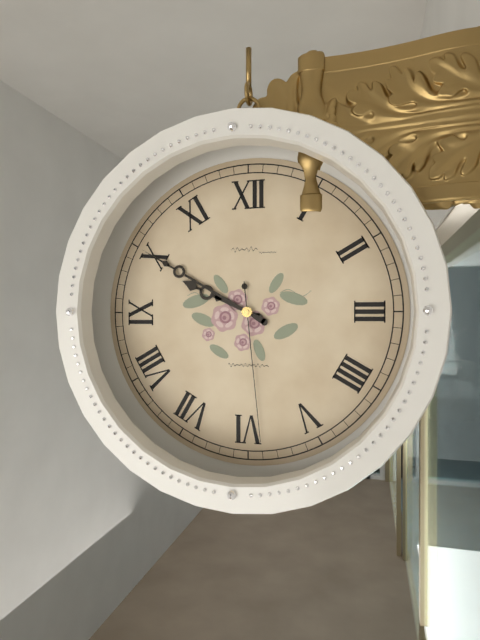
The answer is 9:50:29
